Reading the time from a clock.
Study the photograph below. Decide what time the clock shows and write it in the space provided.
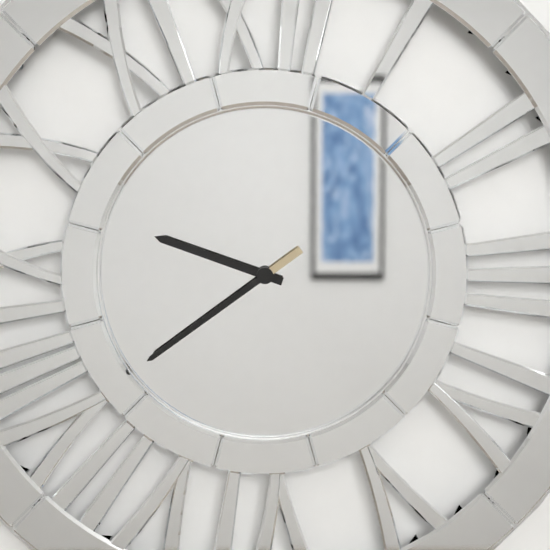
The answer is 9:39
